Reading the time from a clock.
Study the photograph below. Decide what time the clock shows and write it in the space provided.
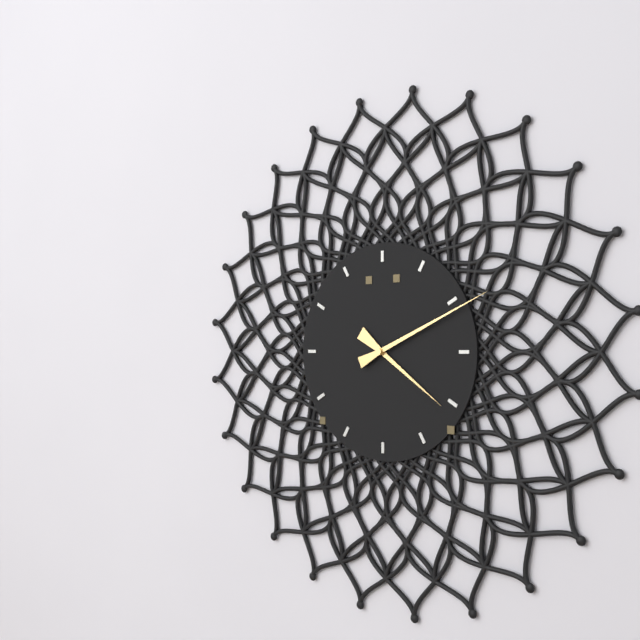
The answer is 4:11
